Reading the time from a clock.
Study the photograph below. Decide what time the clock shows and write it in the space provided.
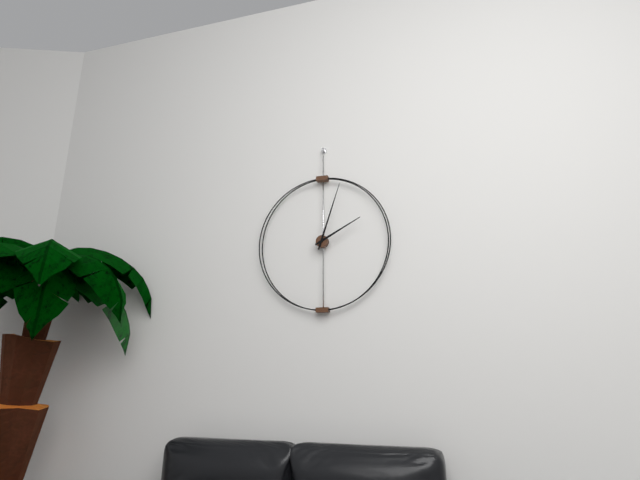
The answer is 2:03
